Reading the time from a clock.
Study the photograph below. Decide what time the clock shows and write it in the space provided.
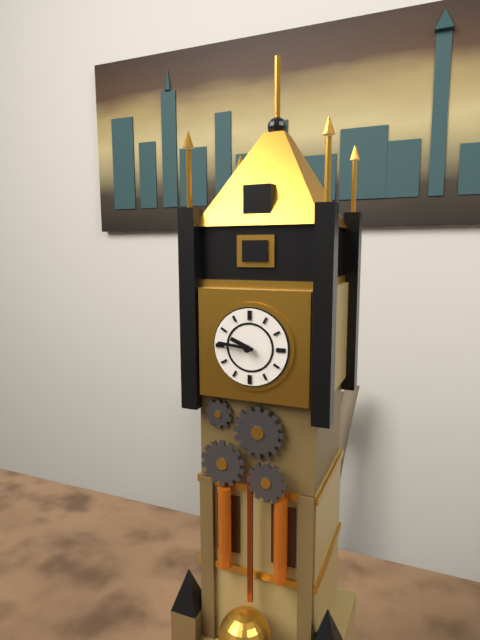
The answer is 9:46
